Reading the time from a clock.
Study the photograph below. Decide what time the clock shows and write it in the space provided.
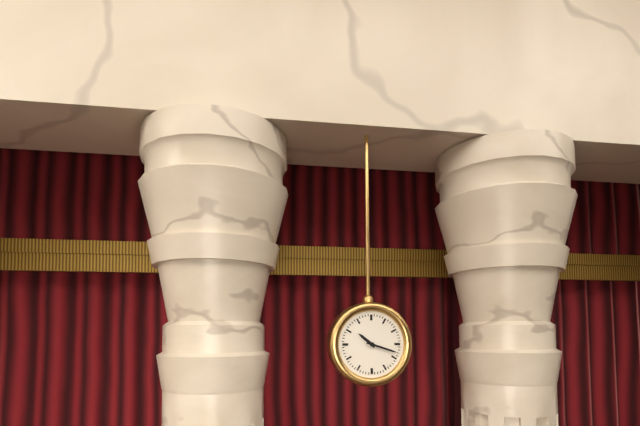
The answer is 10:18
